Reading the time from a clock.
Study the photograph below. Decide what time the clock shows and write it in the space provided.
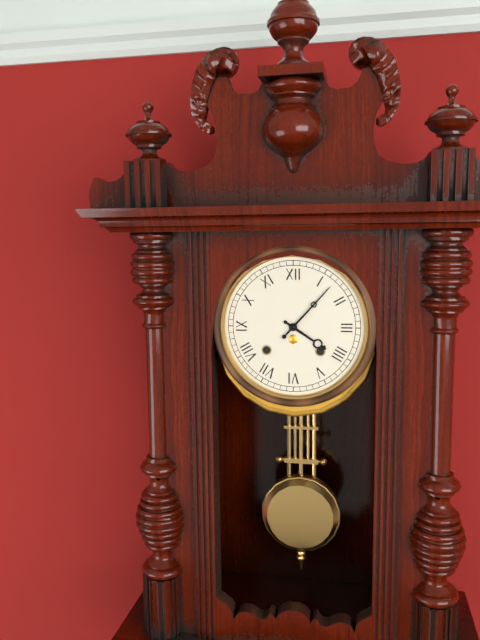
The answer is 4:07
